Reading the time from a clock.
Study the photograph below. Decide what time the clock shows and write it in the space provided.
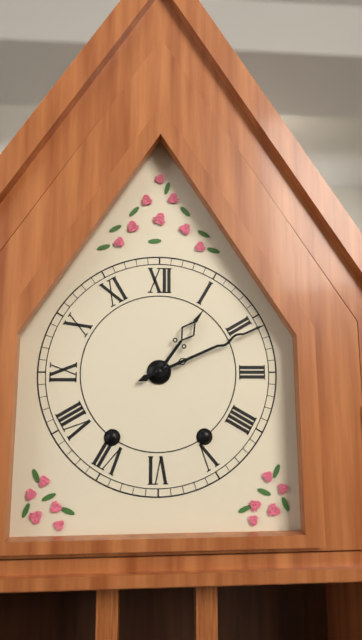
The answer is 1:11
